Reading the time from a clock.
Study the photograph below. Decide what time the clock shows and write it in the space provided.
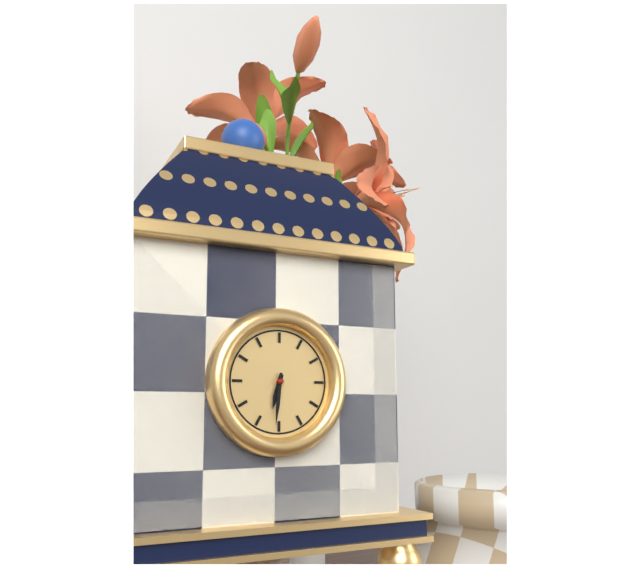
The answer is 6:31
